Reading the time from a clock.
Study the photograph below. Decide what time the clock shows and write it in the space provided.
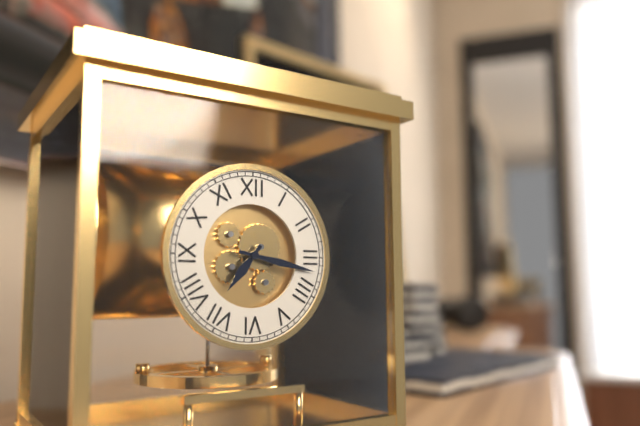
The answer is 7:17
